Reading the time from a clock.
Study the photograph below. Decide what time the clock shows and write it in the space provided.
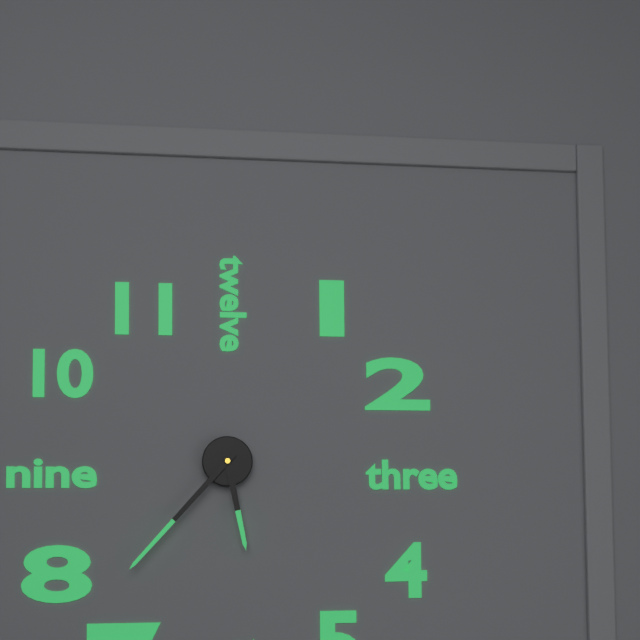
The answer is 5:37
